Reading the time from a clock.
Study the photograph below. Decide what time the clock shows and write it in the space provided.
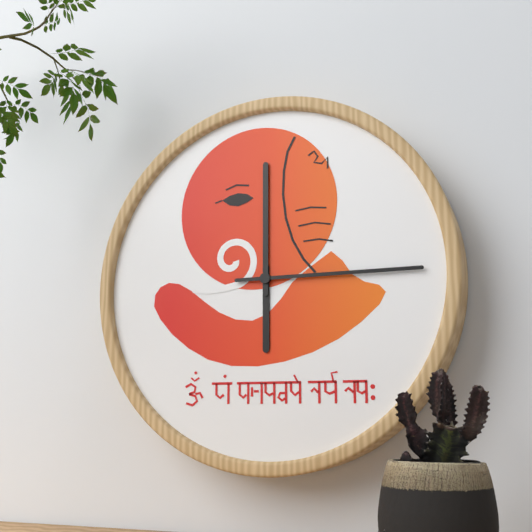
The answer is 6:00:15
